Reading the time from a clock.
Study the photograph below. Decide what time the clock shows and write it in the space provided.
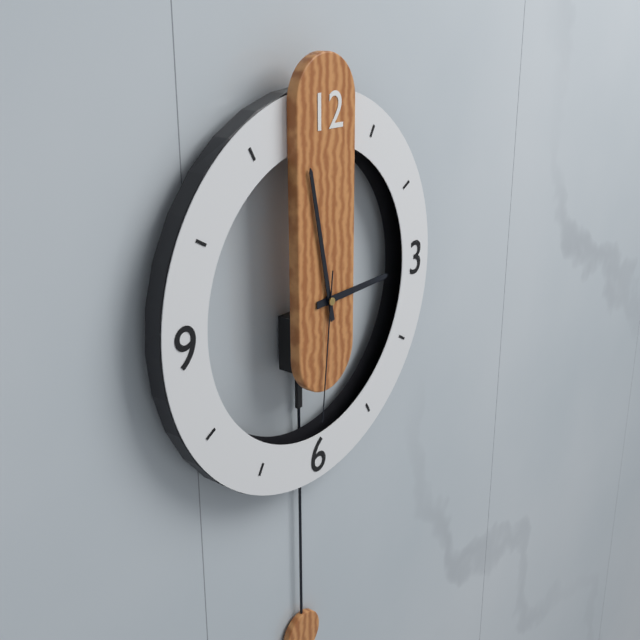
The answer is 2:58:31
